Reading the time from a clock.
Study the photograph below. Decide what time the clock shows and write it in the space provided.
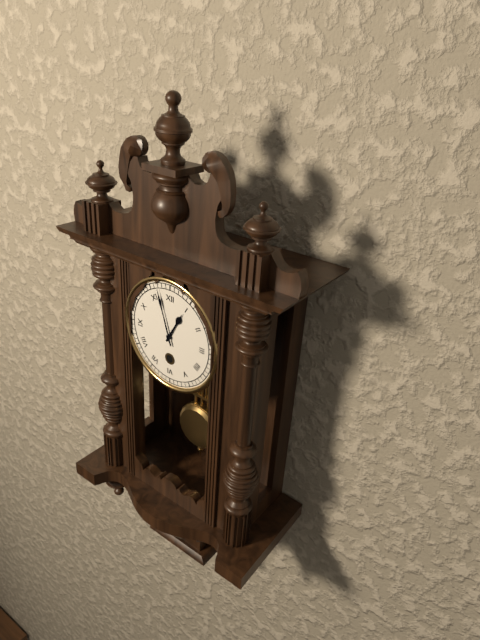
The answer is 12:57
